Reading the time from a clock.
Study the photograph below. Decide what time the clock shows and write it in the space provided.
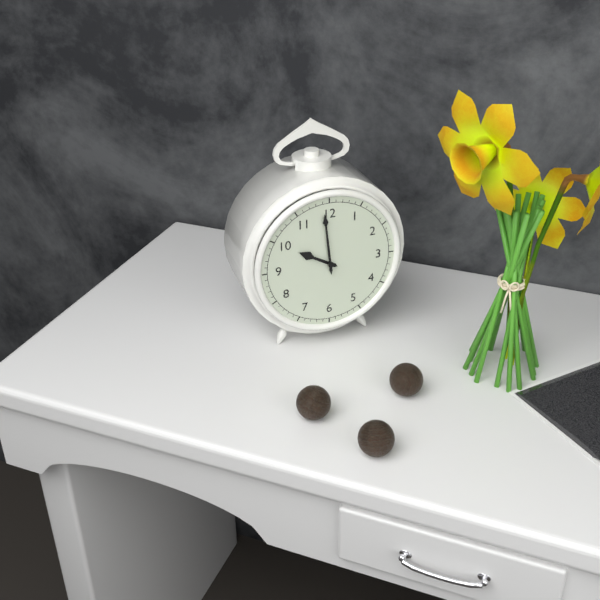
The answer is 9:59
